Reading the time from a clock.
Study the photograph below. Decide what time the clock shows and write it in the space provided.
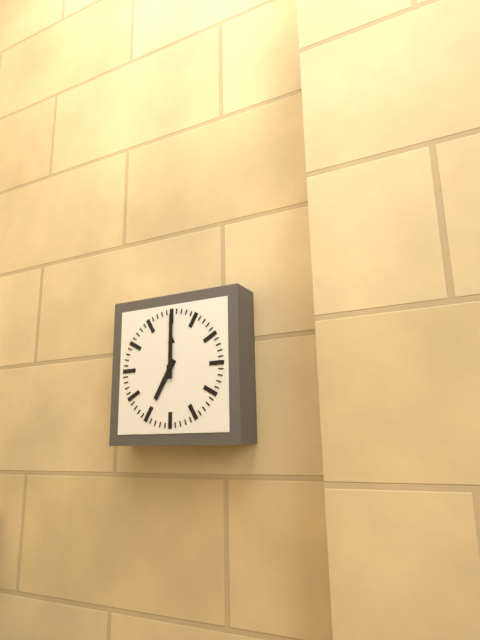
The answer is 7:00
